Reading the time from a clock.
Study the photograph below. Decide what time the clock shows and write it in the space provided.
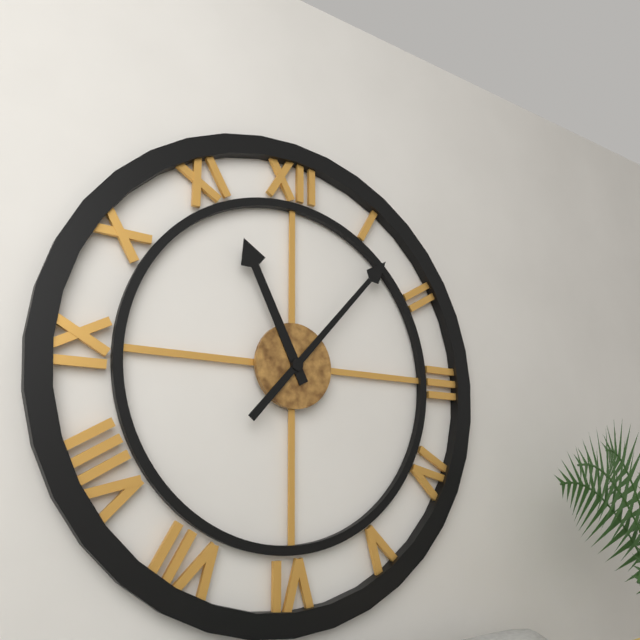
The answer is 11:07
